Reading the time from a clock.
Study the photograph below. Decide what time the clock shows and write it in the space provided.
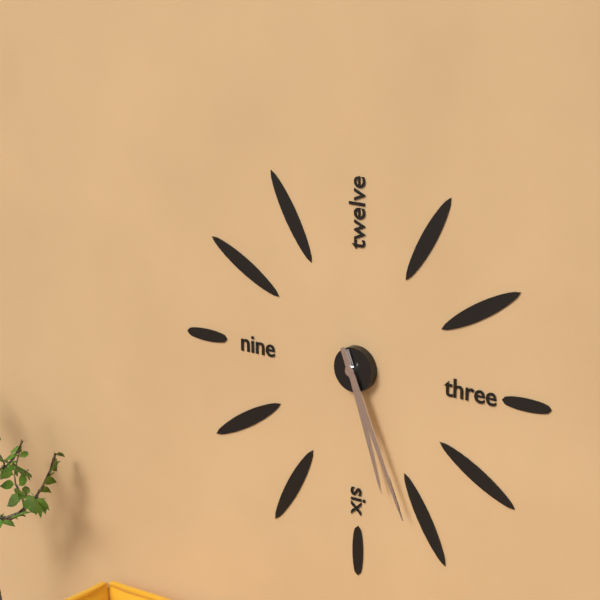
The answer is 5:26
